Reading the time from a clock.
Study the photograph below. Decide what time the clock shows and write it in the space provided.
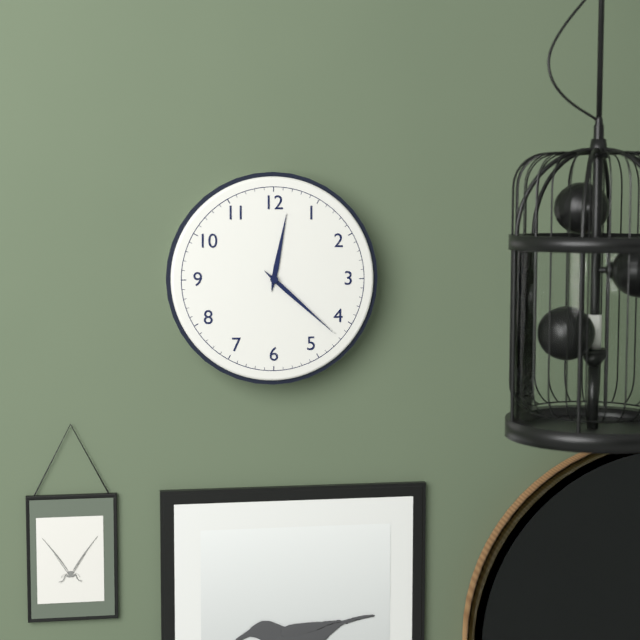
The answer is 12:22
